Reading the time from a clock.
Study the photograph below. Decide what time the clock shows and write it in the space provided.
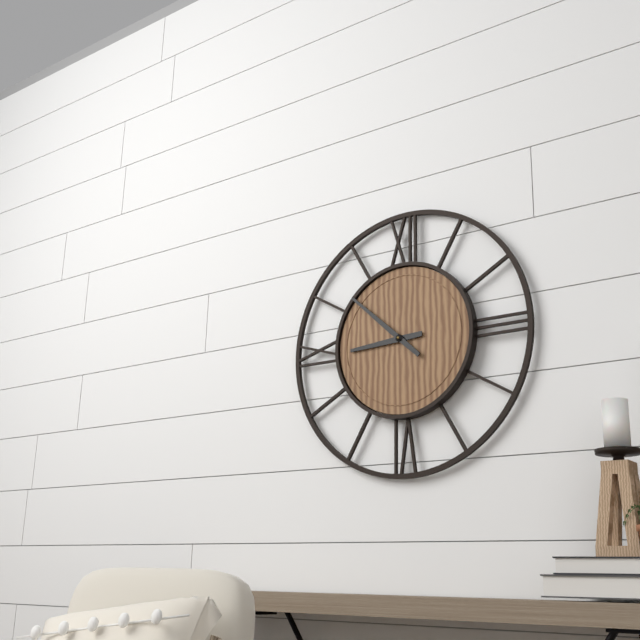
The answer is 8:52
